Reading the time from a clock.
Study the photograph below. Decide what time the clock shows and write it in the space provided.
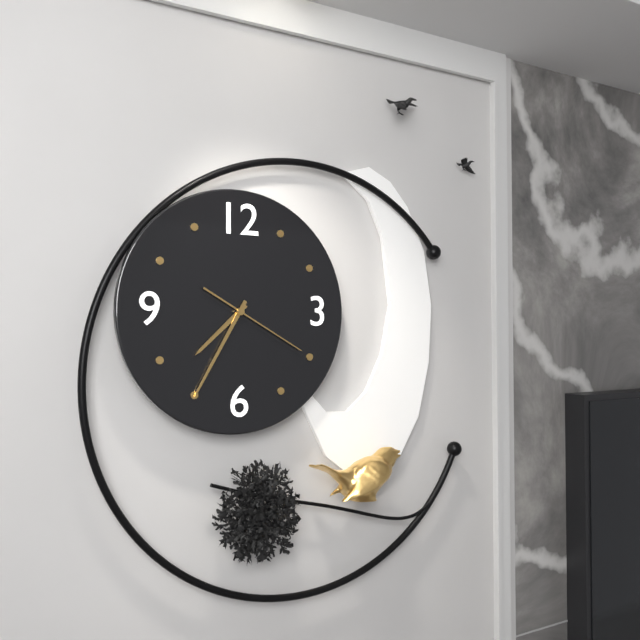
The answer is 7:35:20
